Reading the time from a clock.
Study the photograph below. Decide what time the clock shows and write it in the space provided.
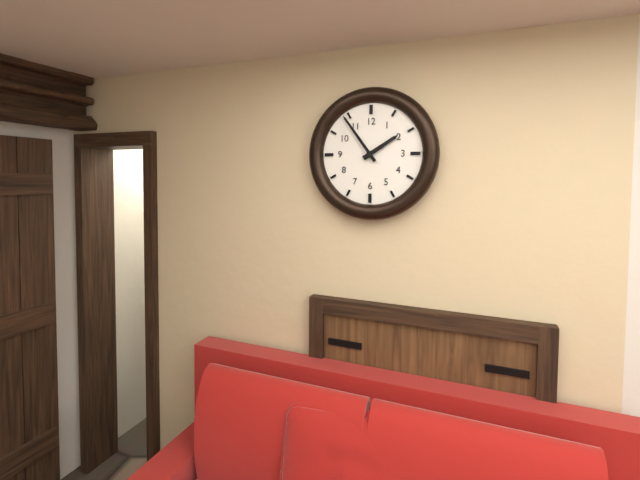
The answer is 1:54
